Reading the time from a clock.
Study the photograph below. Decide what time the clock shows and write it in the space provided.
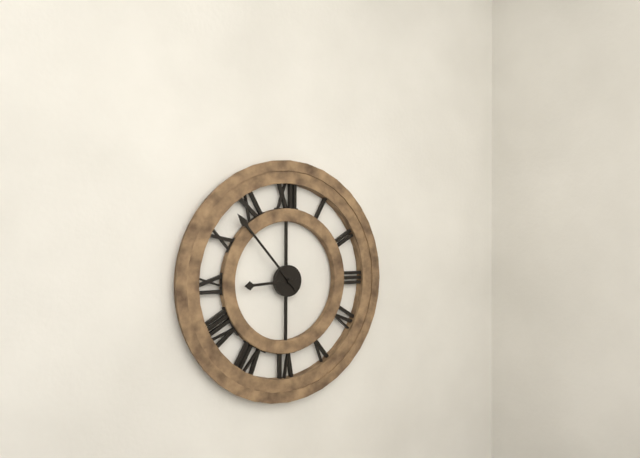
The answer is 8:53
